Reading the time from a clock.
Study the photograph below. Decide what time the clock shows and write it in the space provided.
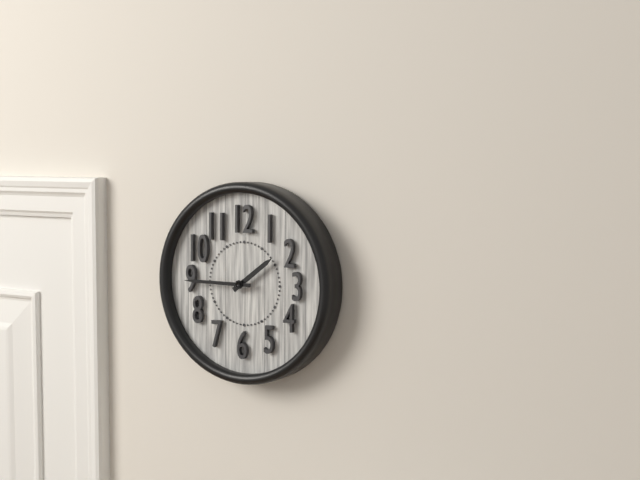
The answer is 1:45
